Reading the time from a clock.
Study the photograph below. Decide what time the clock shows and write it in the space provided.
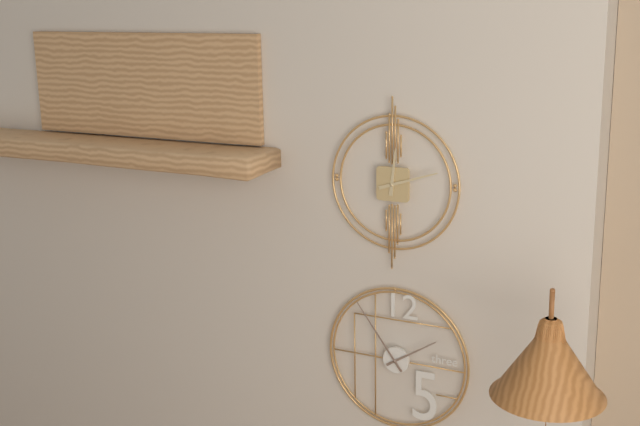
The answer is 12:12
